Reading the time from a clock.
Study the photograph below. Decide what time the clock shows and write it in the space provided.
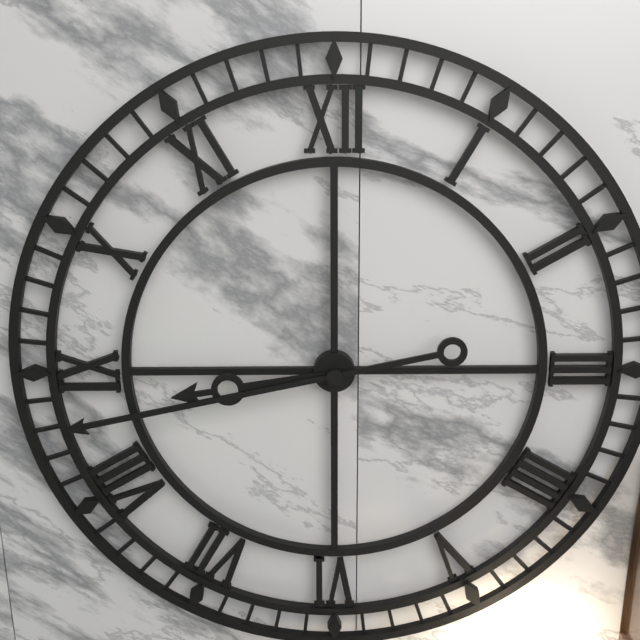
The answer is 8:43
